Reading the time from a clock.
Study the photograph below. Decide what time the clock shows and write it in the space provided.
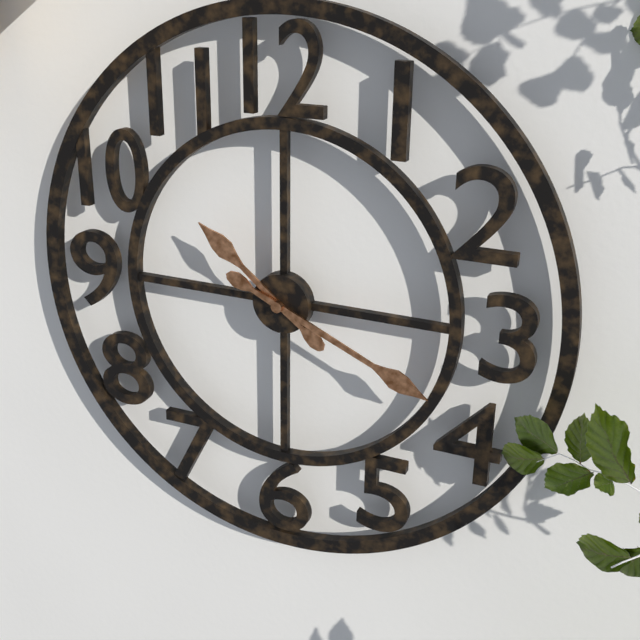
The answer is 10:19
